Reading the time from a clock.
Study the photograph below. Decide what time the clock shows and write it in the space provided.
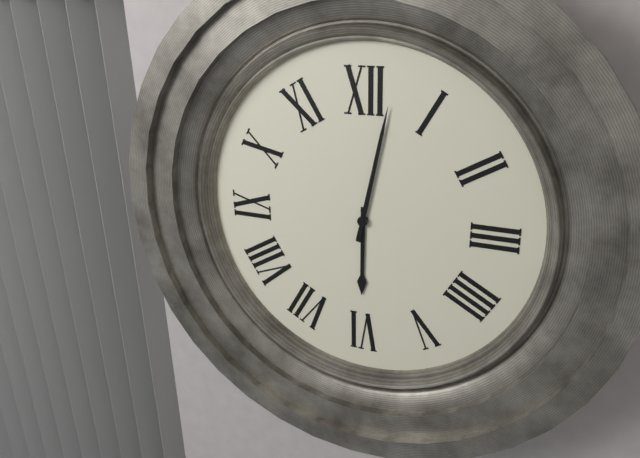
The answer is 6:02
